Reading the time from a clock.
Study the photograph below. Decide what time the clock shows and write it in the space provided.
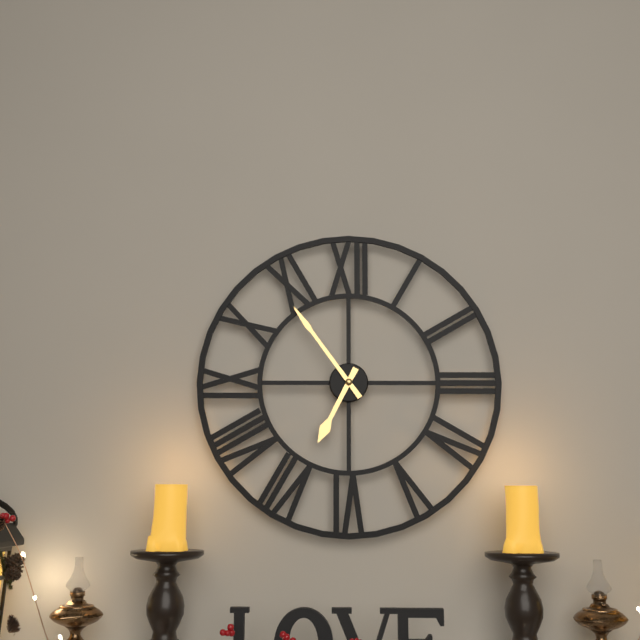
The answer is 6:54
